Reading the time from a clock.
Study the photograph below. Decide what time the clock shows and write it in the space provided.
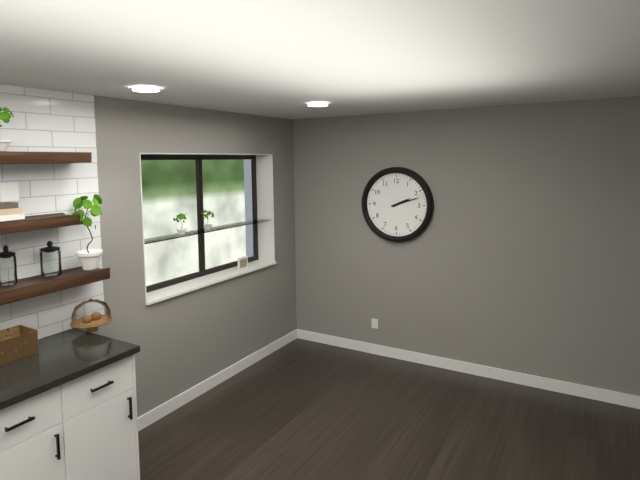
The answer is 2:12
